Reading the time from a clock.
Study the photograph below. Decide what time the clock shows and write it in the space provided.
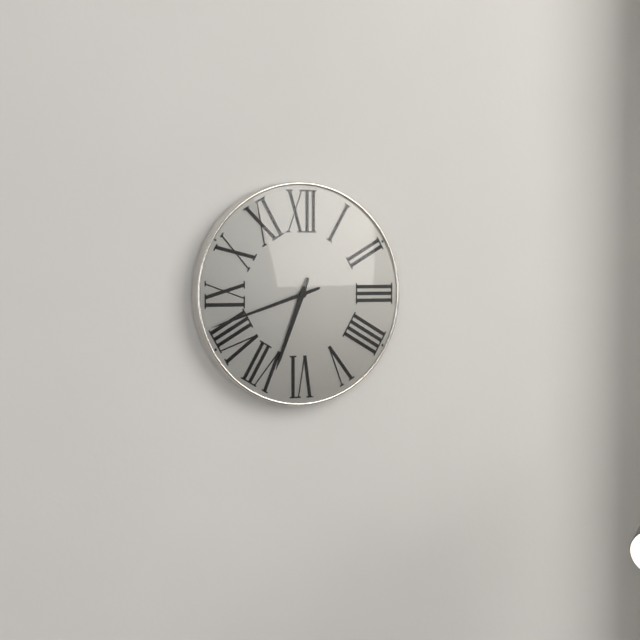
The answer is 6:42
